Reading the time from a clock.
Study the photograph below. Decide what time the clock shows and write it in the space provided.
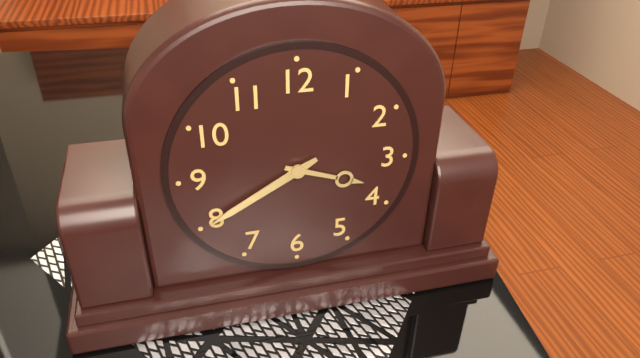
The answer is 3:40
